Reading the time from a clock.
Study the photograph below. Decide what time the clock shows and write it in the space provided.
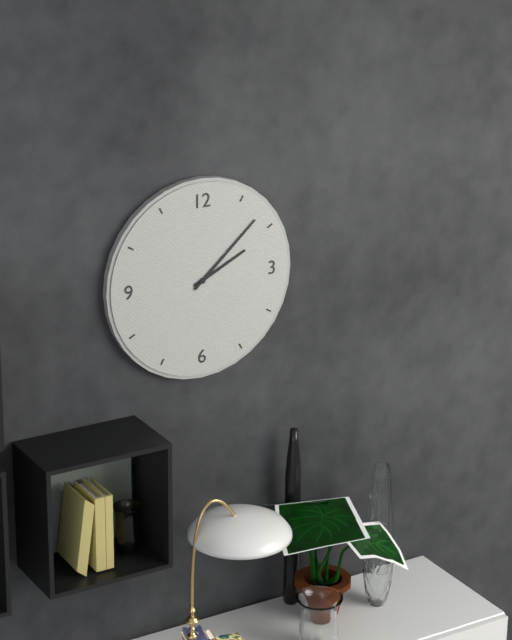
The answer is 2:08
